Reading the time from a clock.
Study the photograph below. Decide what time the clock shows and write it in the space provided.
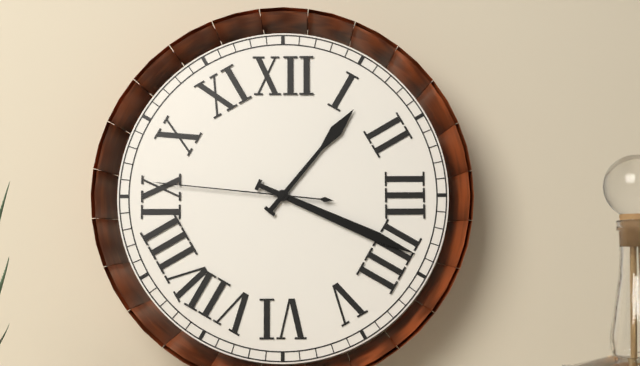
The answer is 1:19:46
